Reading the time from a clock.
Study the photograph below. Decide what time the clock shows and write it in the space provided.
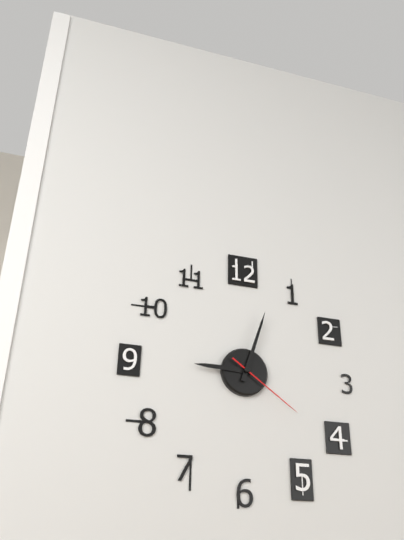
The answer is 9:03:21
